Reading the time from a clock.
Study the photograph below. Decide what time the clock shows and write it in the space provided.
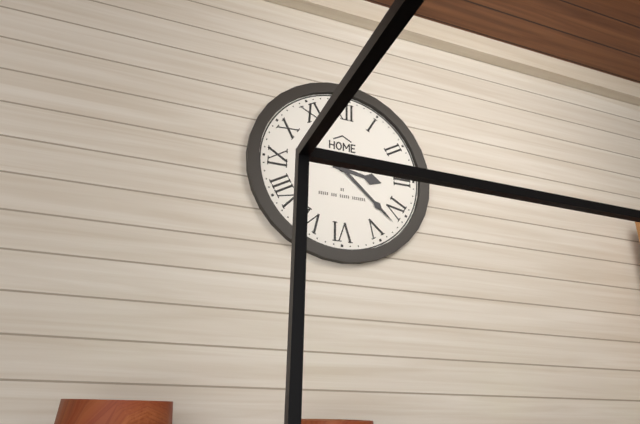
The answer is 3:22
